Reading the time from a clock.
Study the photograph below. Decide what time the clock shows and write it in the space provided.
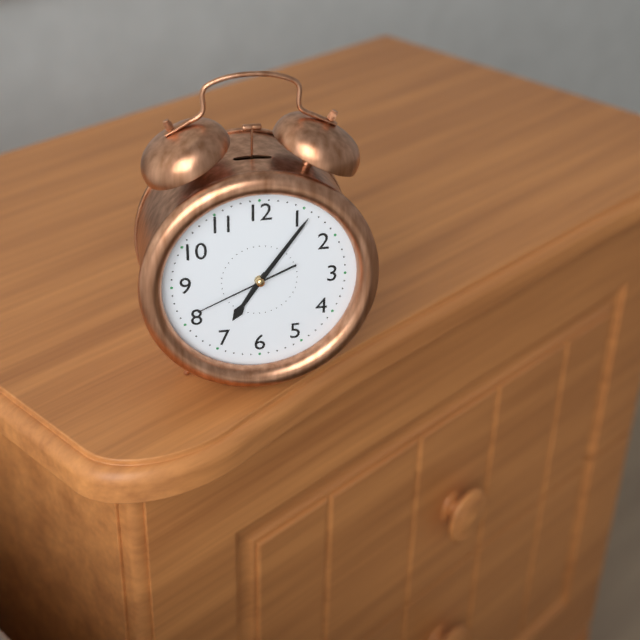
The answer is 7:06:41
